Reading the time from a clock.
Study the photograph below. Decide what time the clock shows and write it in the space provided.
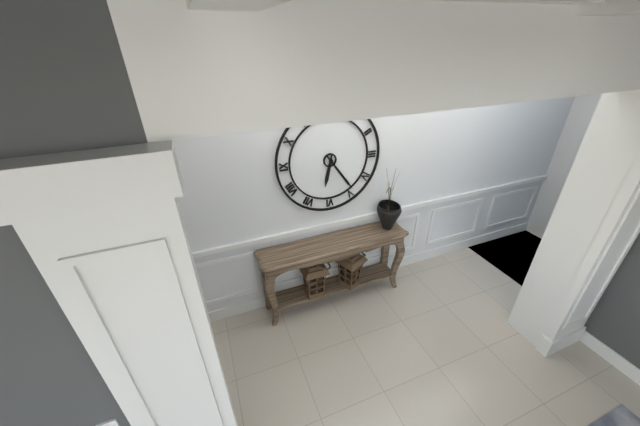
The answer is 6:24
